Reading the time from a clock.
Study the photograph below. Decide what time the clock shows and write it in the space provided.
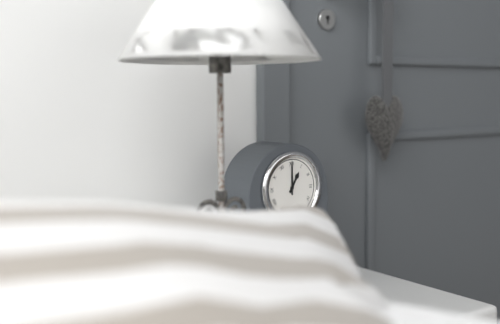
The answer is 1:00
